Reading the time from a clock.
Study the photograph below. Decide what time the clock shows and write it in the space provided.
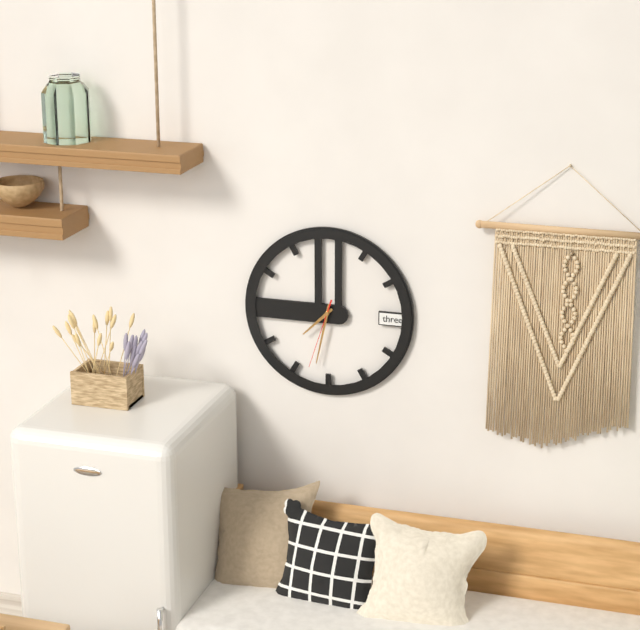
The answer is 7:32:33
